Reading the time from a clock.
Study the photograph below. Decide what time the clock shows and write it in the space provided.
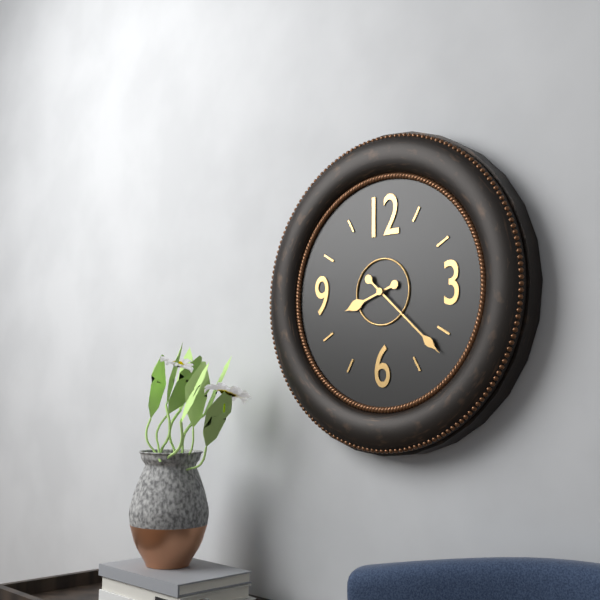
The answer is 8:22
